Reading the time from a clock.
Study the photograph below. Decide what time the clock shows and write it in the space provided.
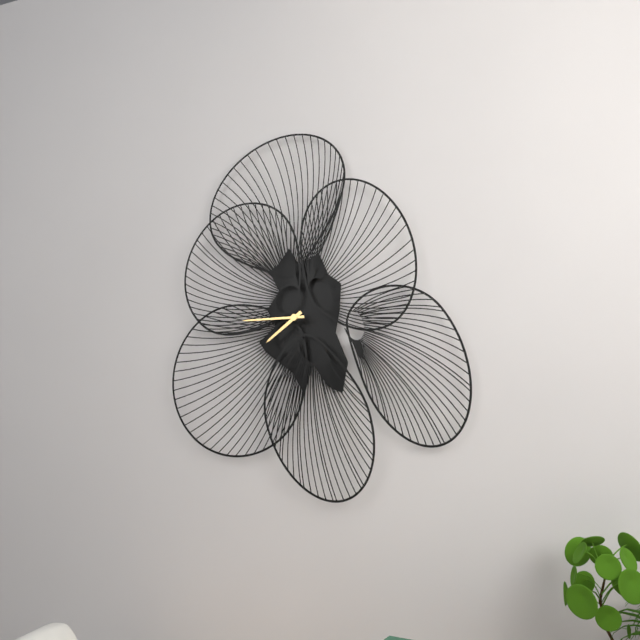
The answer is 7:45
